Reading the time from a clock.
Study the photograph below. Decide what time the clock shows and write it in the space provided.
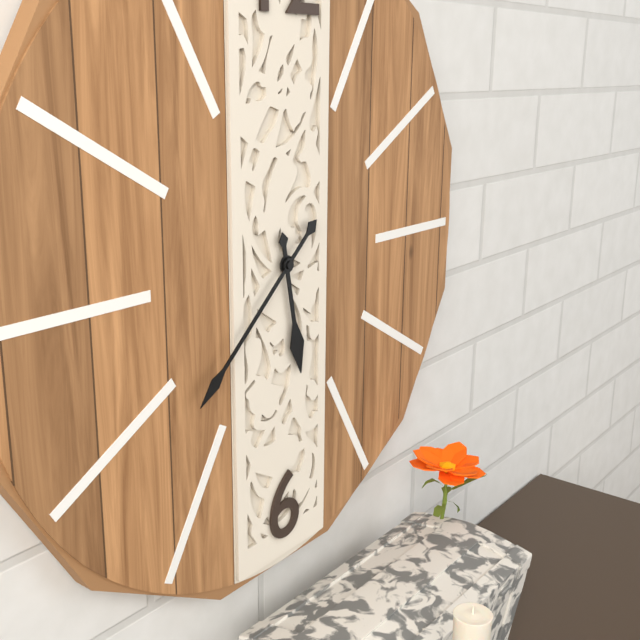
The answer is 5:38
